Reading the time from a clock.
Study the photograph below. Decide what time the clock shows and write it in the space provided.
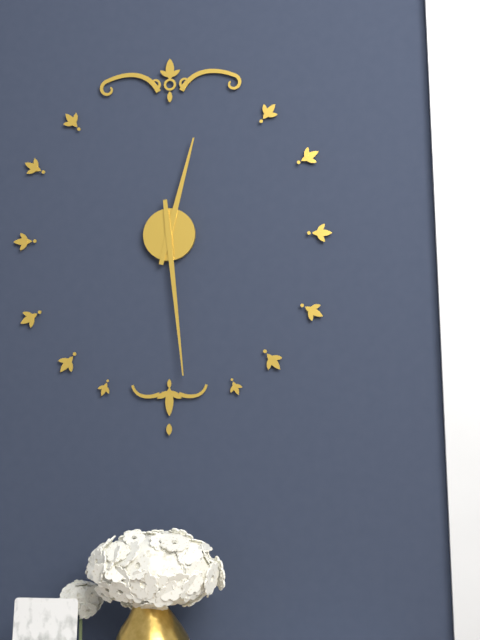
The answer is 12:29
